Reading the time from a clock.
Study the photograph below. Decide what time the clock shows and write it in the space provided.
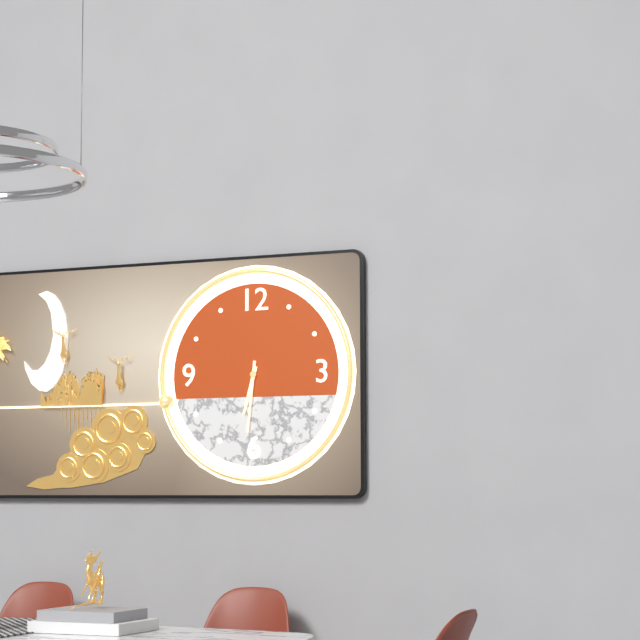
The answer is 6:31
